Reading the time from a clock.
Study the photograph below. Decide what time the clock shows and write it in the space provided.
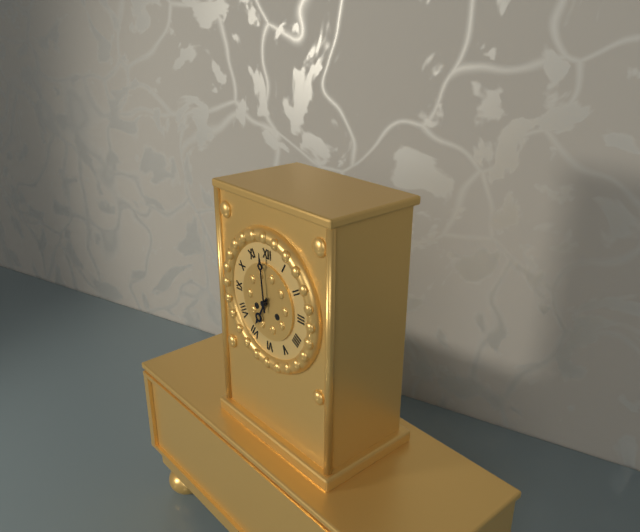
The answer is 6:59
